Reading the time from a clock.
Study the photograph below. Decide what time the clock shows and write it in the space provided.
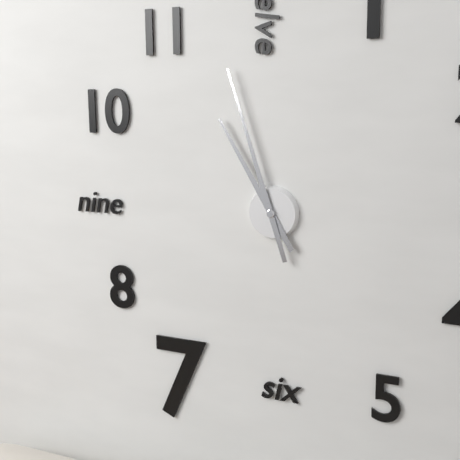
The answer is 10:57
